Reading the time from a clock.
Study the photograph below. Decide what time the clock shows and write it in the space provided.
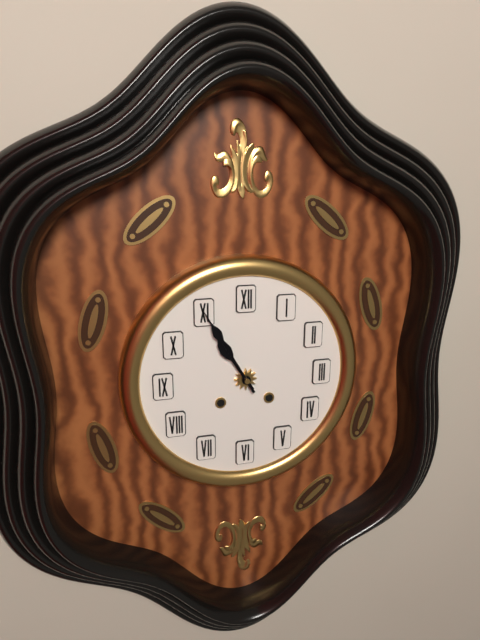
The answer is 10:55
